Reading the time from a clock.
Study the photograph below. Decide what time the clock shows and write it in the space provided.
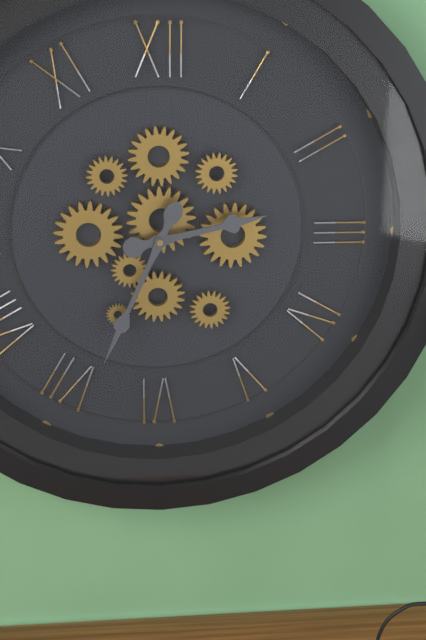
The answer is 2:34
